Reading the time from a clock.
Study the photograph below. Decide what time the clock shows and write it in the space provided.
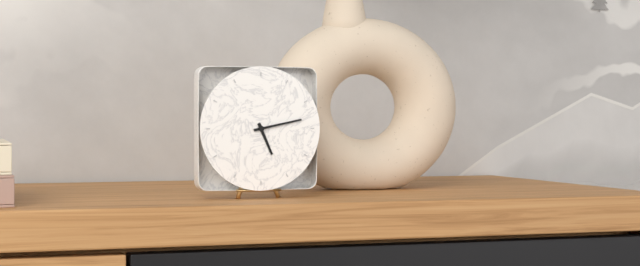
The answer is 5:13
